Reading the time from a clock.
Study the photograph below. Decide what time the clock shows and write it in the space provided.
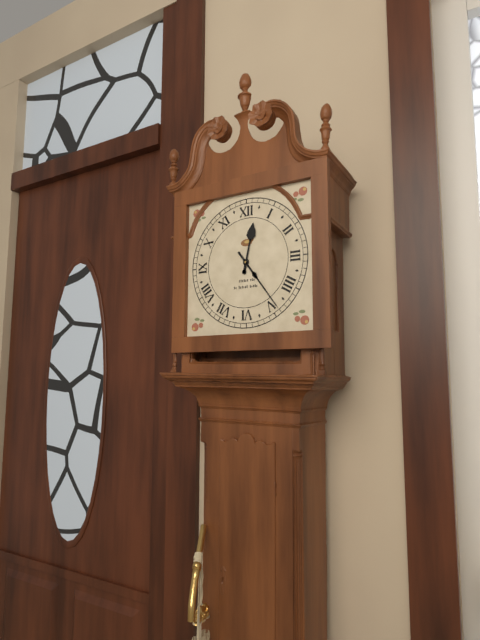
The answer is 12:24
